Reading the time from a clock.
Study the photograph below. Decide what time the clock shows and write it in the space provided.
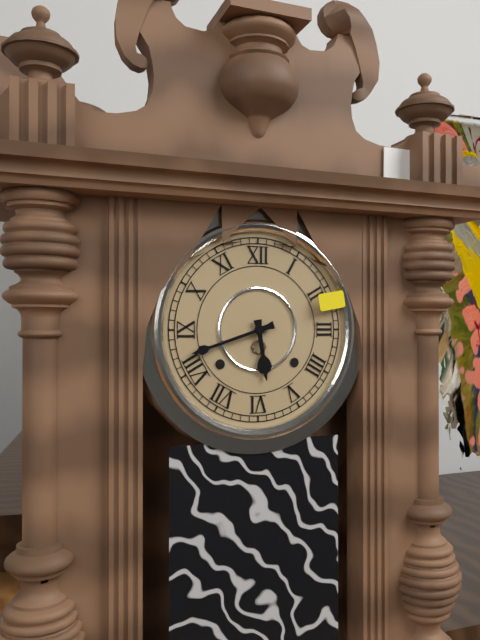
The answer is 5:42
